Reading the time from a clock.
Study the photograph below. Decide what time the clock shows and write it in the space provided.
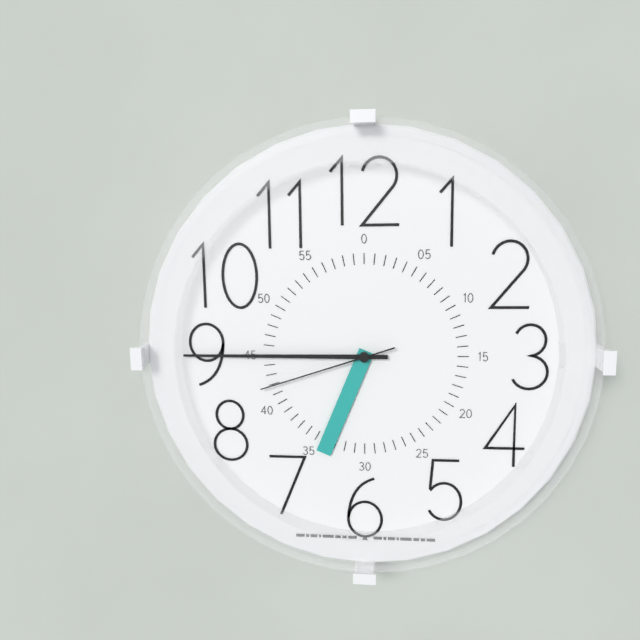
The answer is 6:45:42
